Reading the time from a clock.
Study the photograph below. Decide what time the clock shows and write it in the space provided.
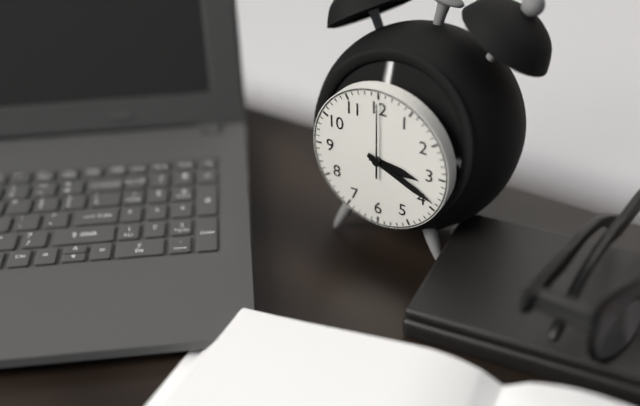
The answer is 3:19:00
